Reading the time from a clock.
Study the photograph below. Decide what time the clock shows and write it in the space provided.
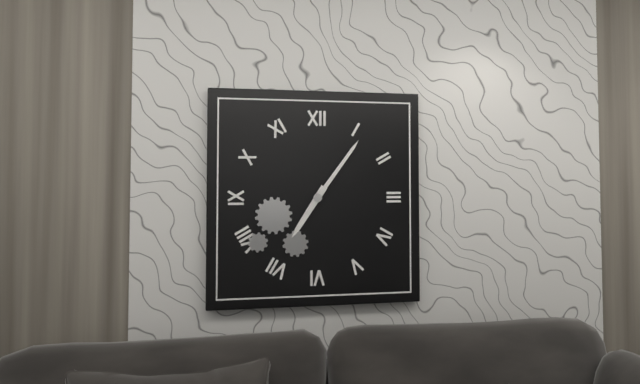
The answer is 7:06
